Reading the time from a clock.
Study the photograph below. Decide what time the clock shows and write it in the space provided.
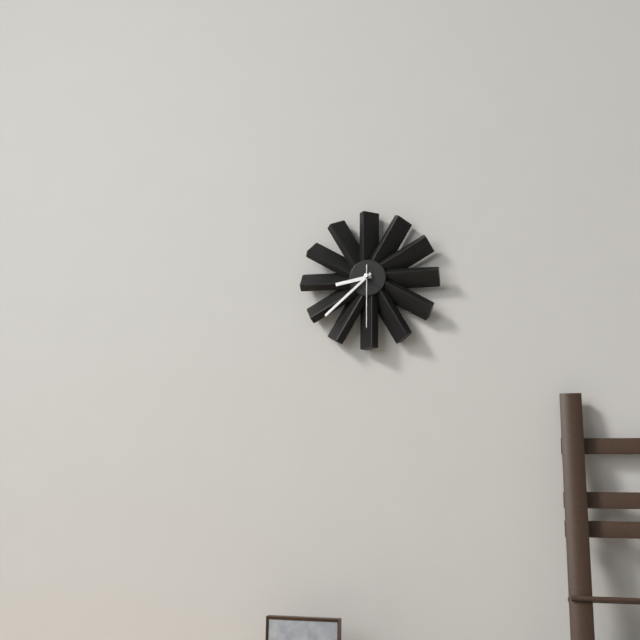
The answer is 8:38:30
